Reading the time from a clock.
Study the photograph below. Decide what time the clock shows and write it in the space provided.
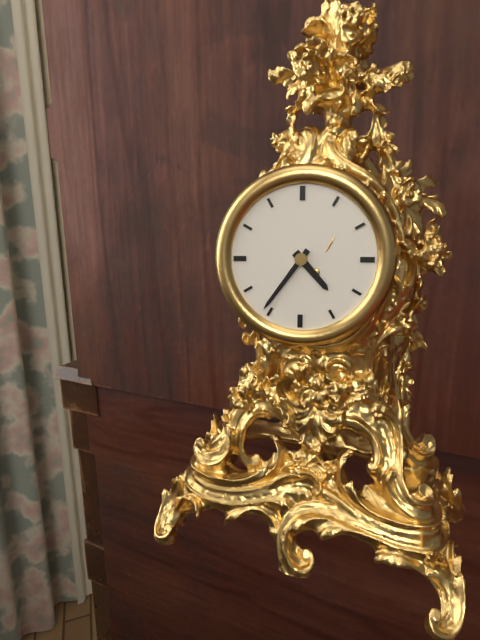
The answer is 4:36
